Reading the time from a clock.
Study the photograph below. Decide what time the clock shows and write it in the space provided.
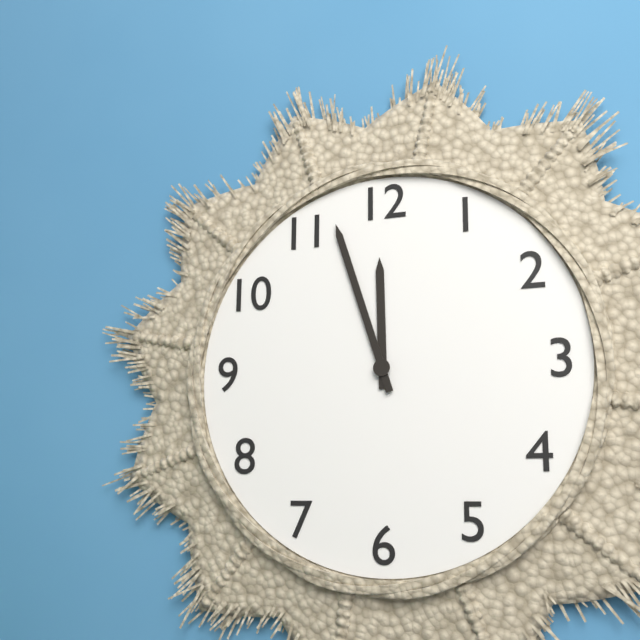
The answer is 11:57
